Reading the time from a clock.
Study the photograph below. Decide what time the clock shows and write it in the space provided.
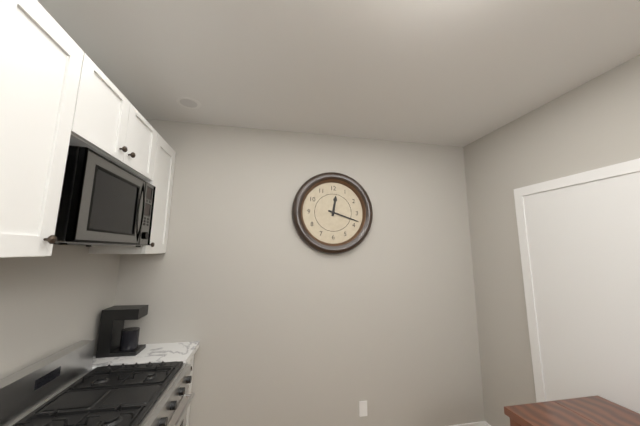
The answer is 12:18
